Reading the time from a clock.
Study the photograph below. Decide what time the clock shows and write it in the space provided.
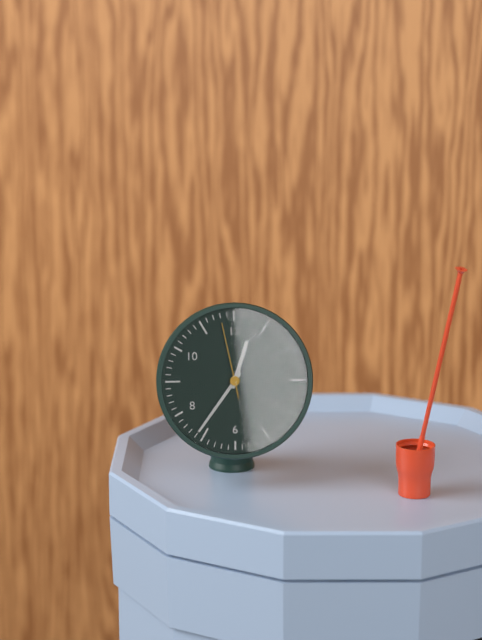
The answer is 12:36:58
